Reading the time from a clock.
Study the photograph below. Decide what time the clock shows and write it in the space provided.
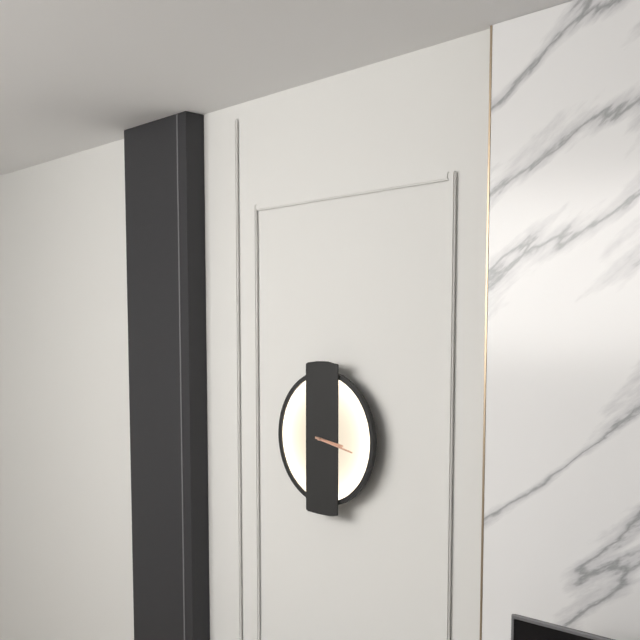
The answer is 3:17
